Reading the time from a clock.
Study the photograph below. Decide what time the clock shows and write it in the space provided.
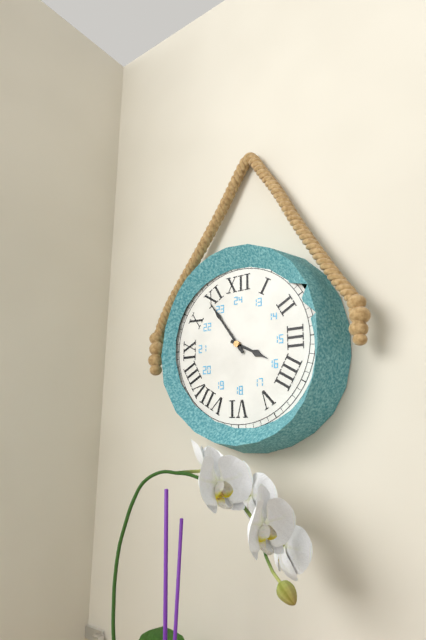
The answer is 3:54
